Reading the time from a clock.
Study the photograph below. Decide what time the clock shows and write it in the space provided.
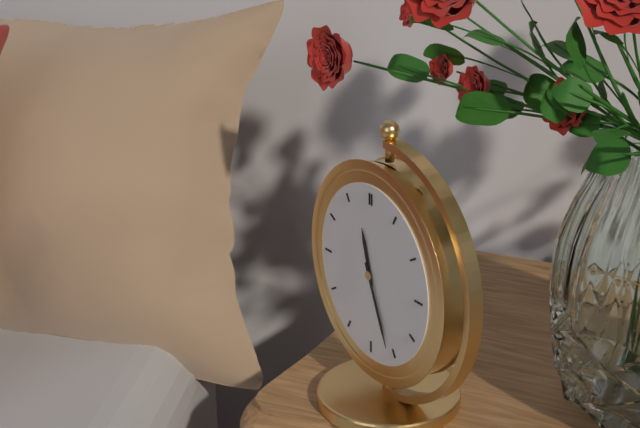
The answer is 11:26
